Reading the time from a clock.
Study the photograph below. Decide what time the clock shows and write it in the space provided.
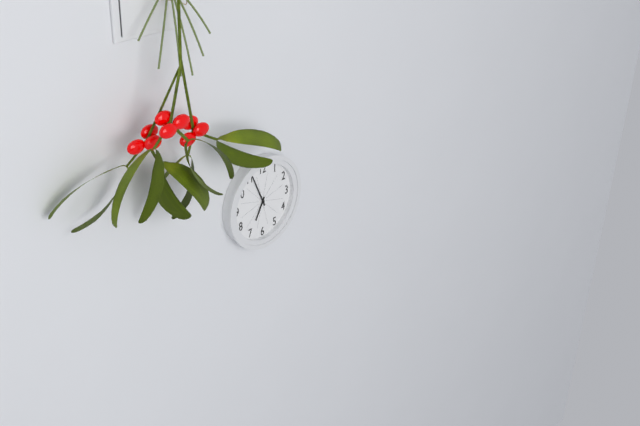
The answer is 6:56
